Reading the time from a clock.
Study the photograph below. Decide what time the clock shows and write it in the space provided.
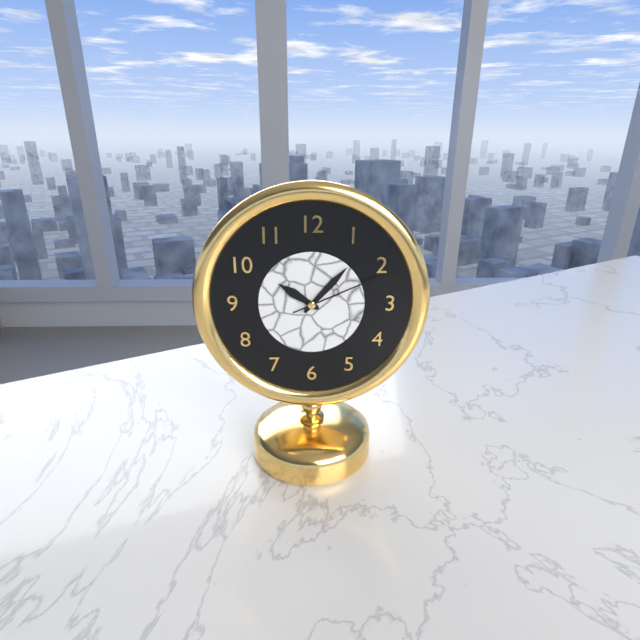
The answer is 10:07:11
